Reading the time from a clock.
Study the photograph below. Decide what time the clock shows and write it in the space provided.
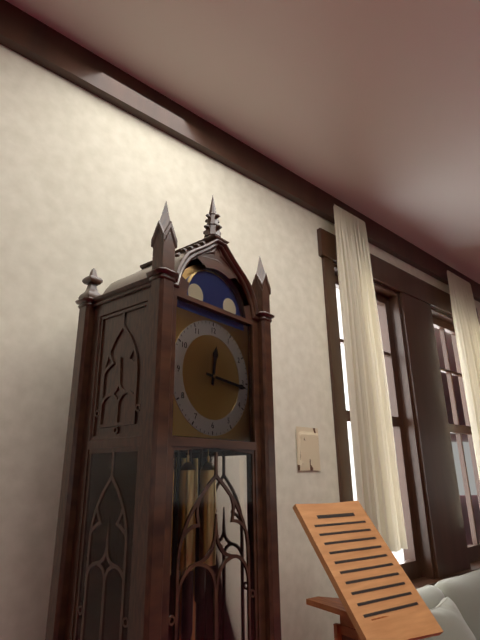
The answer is 12:16
